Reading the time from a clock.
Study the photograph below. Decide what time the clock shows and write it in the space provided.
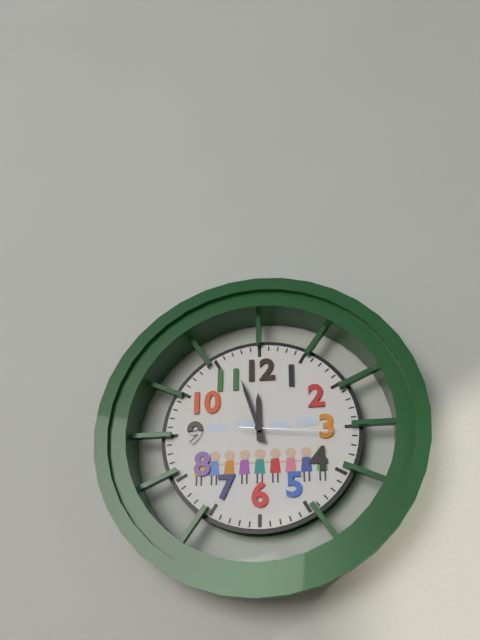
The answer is 11:57:16
